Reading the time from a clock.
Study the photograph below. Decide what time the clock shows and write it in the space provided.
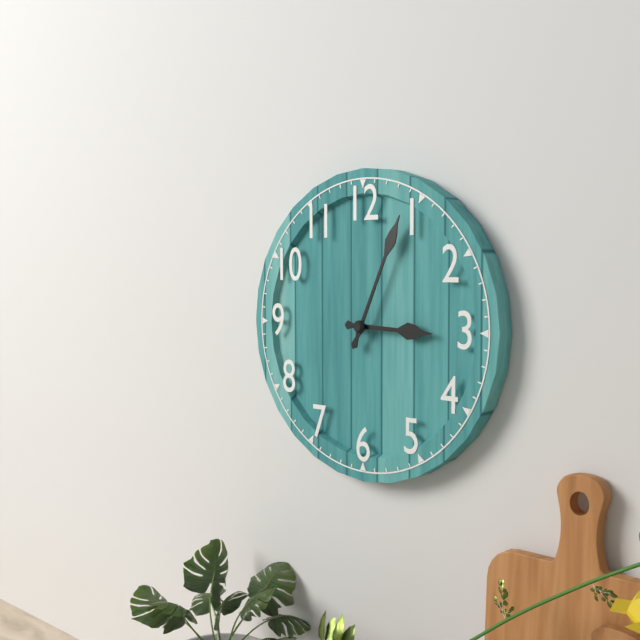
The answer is 3:04
